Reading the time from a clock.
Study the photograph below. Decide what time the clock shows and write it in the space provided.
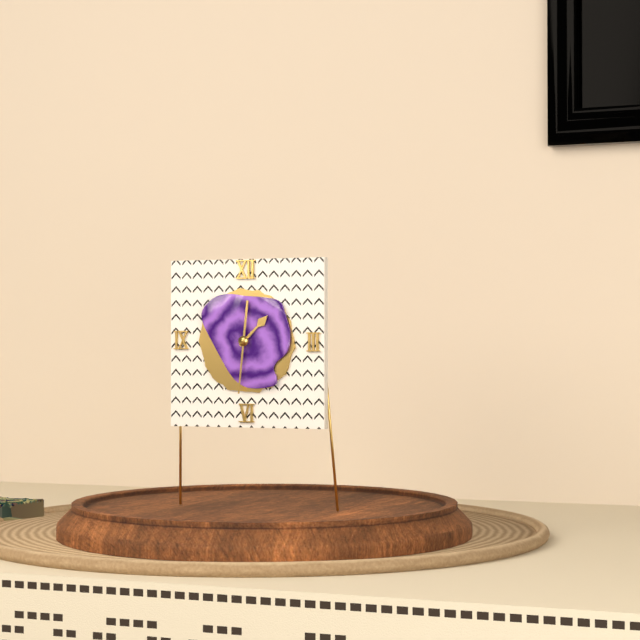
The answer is 1:31
